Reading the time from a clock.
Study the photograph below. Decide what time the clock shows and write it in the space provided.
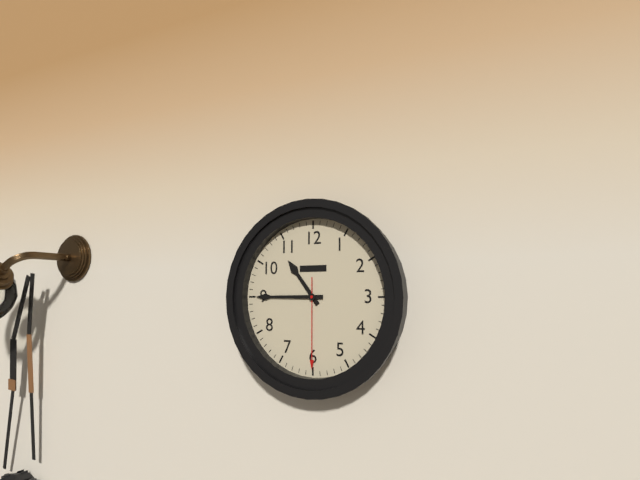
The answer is 10:45:30
